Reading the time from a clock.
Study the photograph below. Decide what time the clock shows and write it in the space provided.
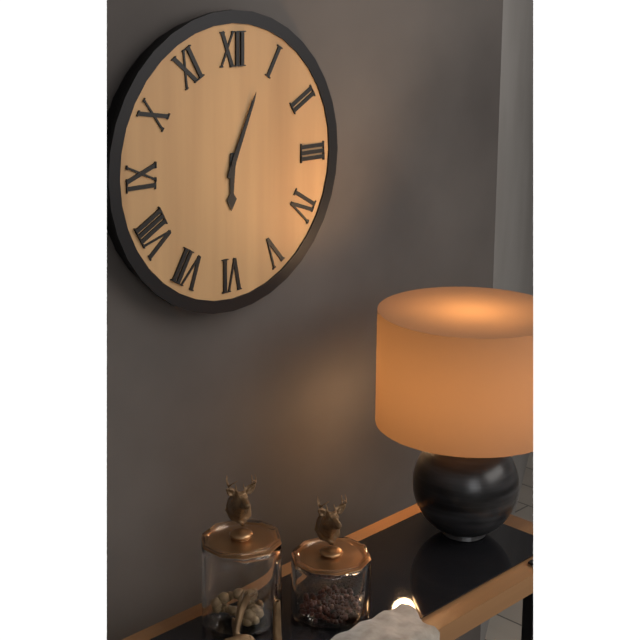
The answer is 6:04
